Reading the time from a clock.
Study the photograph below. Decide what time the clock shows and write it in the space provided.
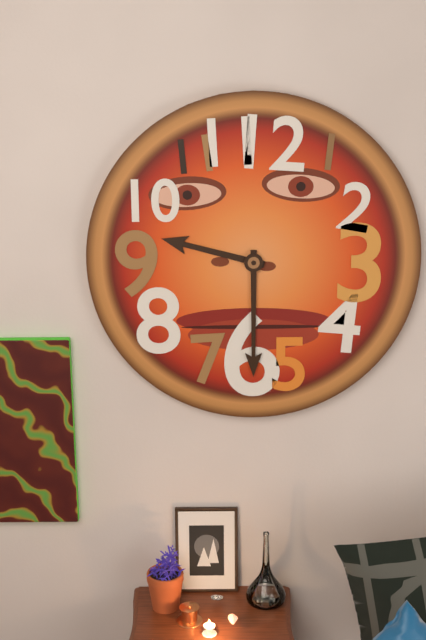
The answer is 9:30
